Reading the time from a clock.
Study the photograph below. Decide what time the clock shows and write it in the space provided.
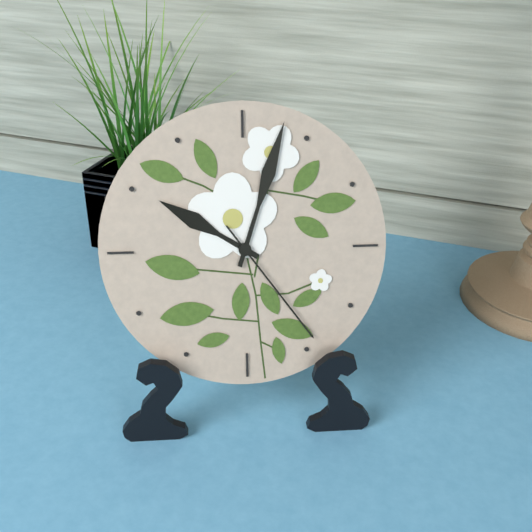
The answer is 10:03:24
